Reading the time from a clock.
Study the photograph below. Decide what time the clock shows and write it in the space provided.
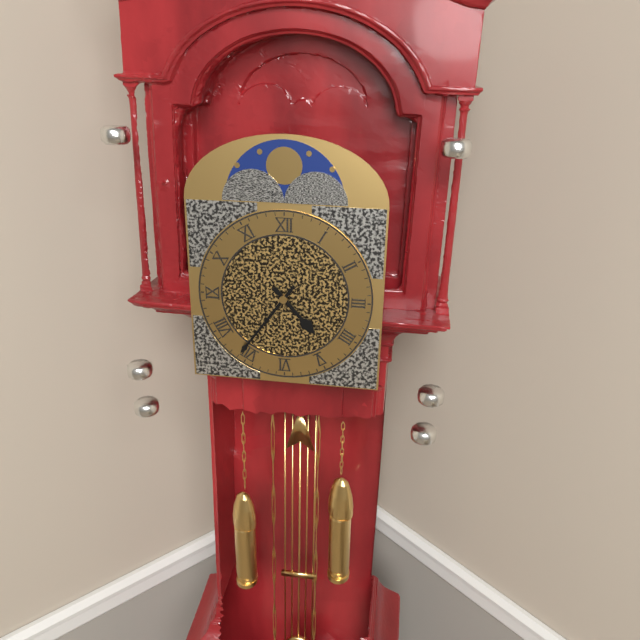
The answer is 4:36
